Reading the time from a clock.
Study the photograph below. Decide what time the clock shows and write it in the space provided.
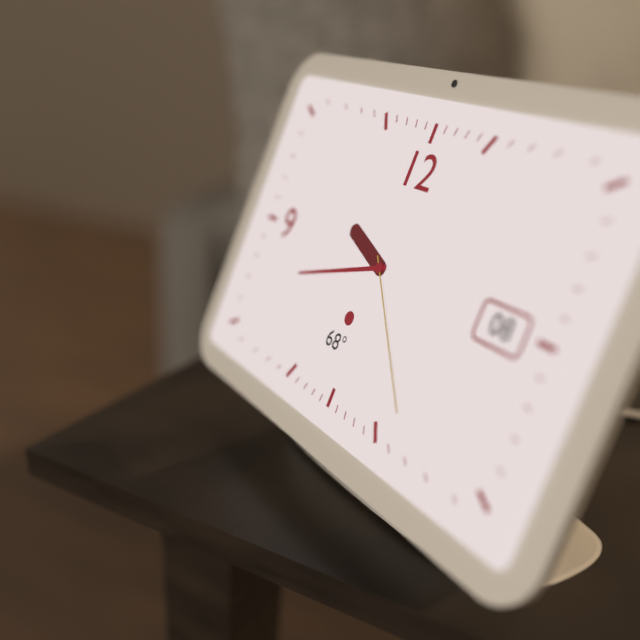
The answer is 9:42:23
